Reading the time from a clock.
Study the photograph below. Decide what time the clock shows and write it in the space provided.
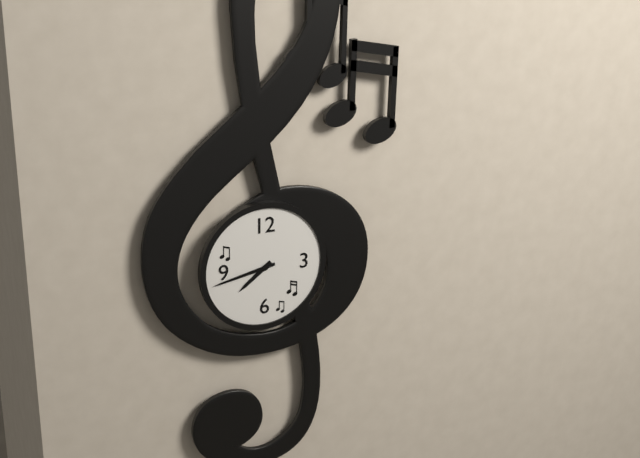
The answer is 7:43
